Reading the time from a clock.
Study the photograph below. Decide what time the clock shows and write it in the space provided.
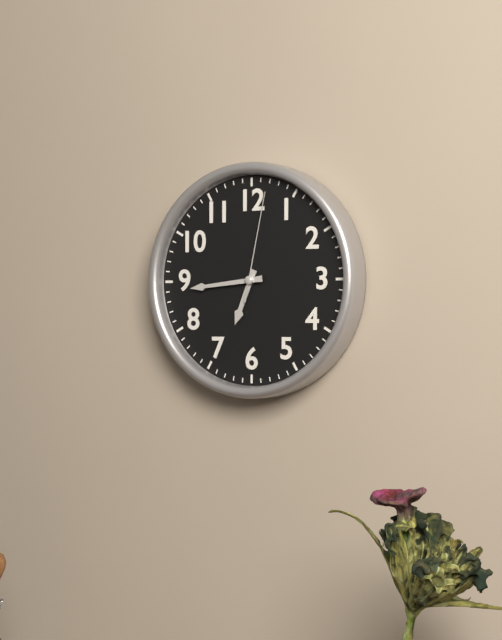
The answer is 6:44:02
